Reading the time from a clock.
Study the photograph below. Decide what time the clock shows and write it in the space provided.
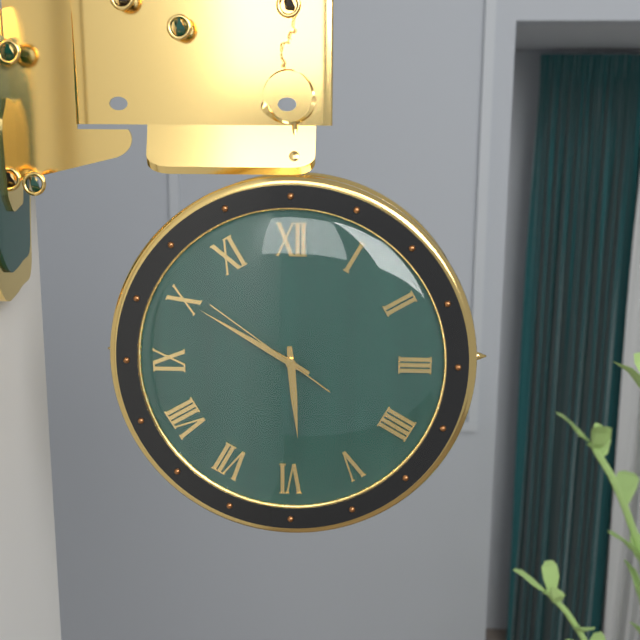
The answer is 5:50:51
